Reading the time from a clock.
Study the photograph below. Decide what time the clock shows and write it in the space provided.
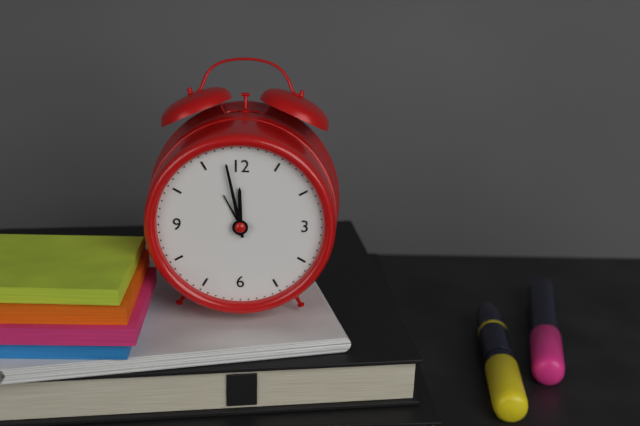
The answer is 11:58
